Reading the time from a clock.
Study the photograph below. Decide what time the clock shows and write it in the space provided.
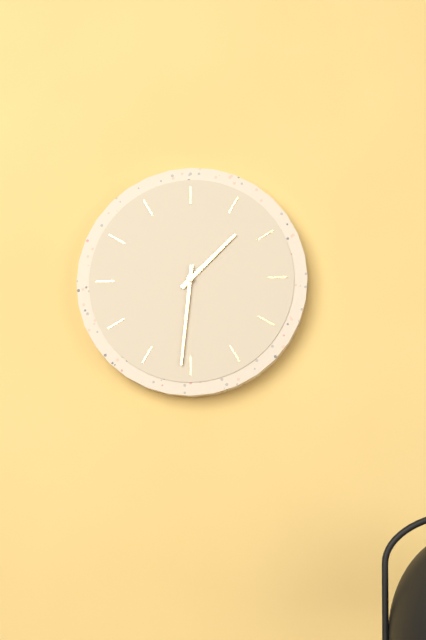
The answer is 1:31
